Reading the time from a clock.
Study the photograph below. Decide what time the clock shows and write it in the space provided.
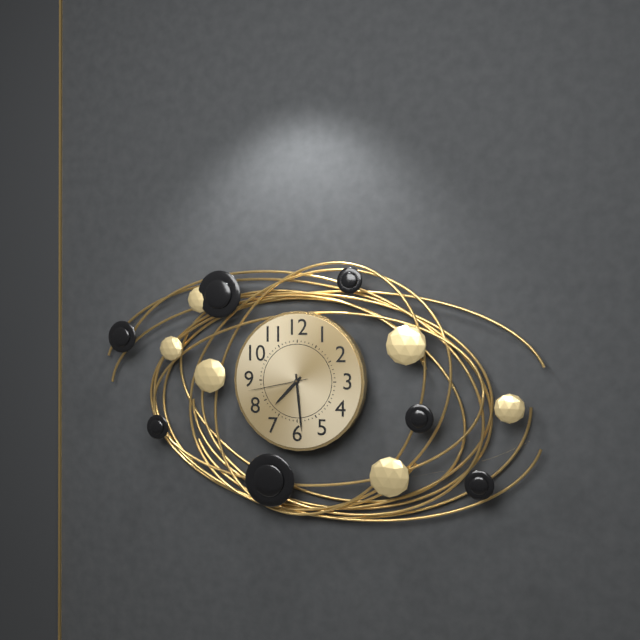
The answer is 7:29:43
